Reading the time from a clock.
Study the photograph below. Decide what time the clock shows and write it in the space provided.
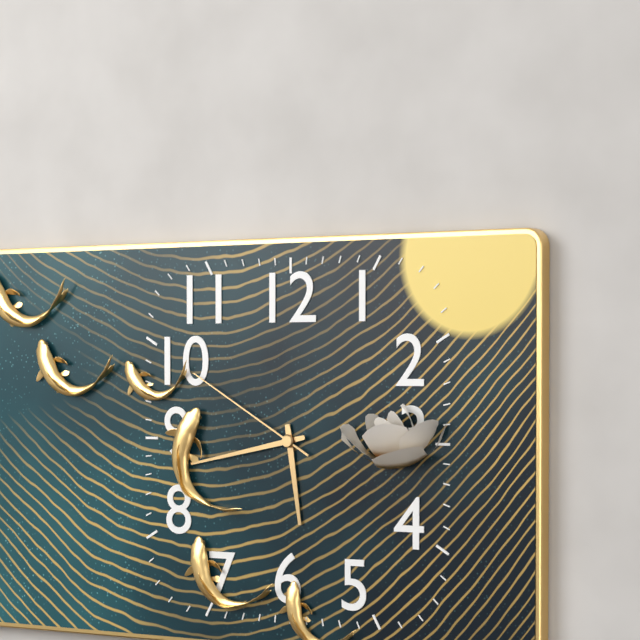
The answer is 5:43:50
